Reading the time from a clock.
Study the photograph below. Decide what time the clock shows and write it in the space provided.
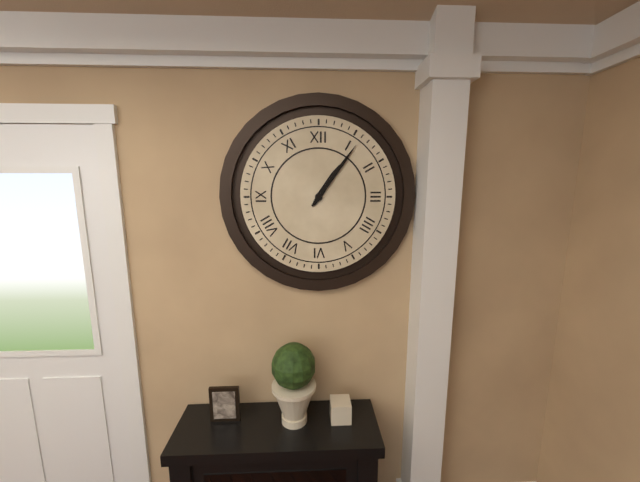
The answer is 1:06
